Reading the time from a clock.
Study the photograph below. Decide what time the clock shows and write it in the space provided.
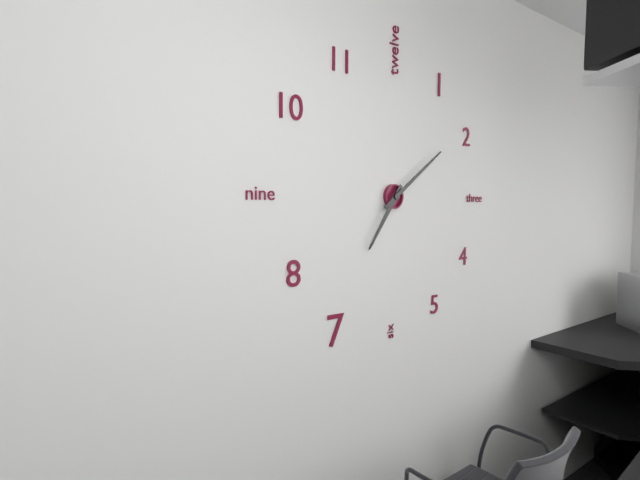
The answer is 7:09
